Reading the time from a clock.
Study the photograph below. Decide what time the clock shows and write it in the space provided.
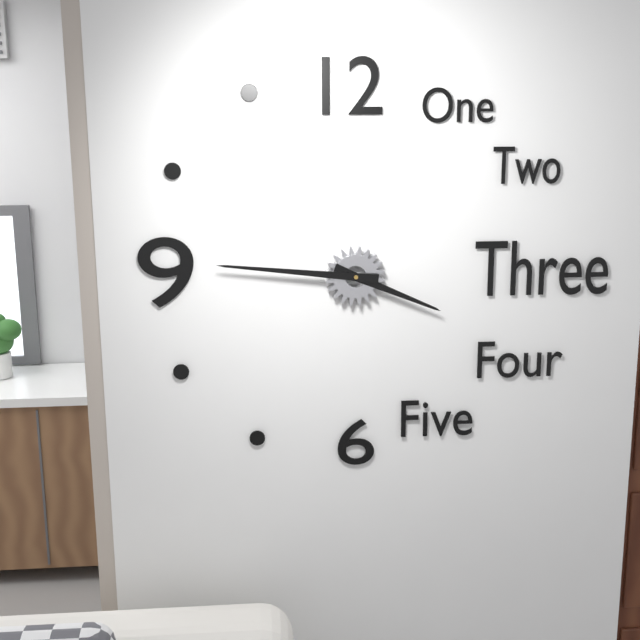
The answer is 3:46
